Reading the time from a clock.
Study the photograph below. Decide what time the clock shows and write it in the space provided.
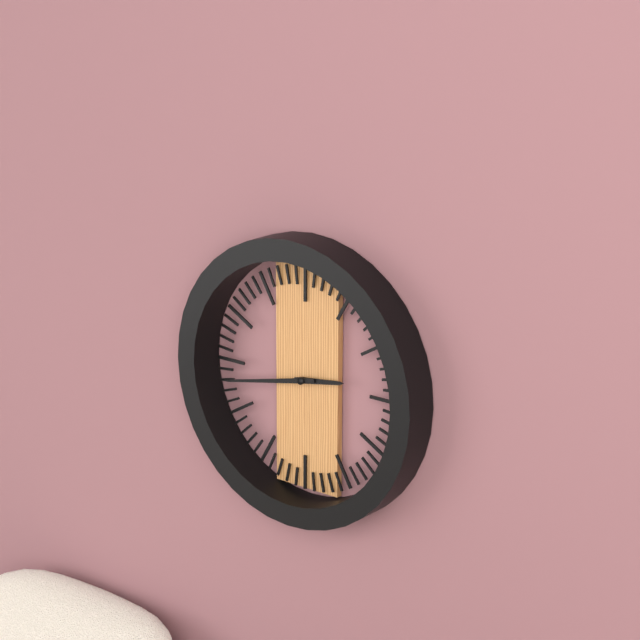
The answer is 2:43
